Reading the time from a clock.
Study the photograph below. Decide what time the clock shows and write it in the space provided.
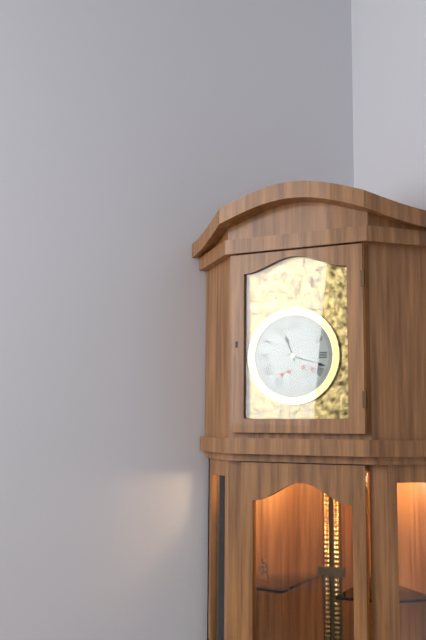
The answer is 11:18
